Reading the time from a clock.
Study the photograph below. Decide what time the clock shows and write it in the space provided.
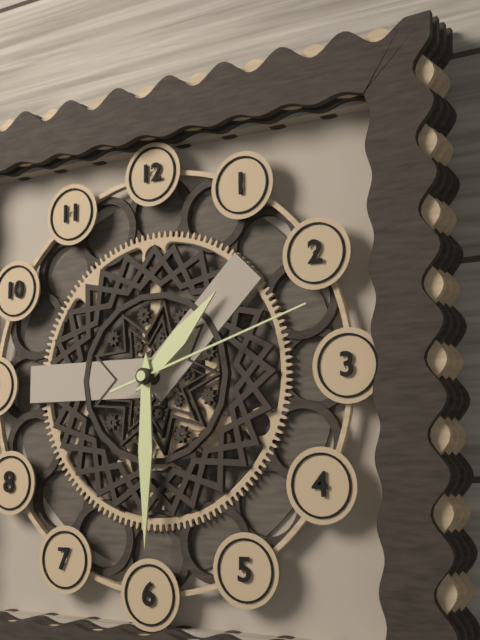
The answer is 1:30:12
